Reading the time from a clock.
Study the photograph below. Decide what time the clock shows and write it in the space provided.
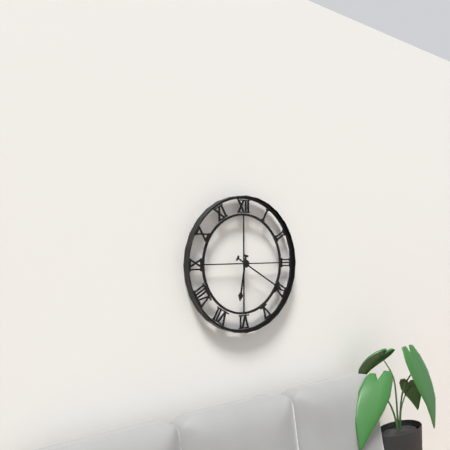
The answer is 6:20
